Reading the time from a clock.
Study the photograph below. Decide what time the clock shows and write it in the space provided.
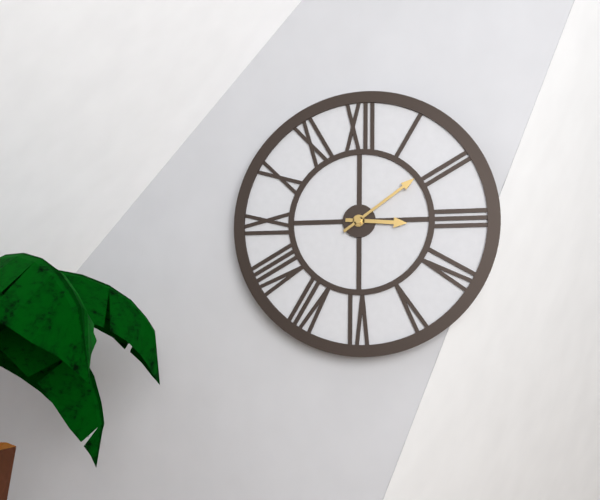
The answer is 3:09
